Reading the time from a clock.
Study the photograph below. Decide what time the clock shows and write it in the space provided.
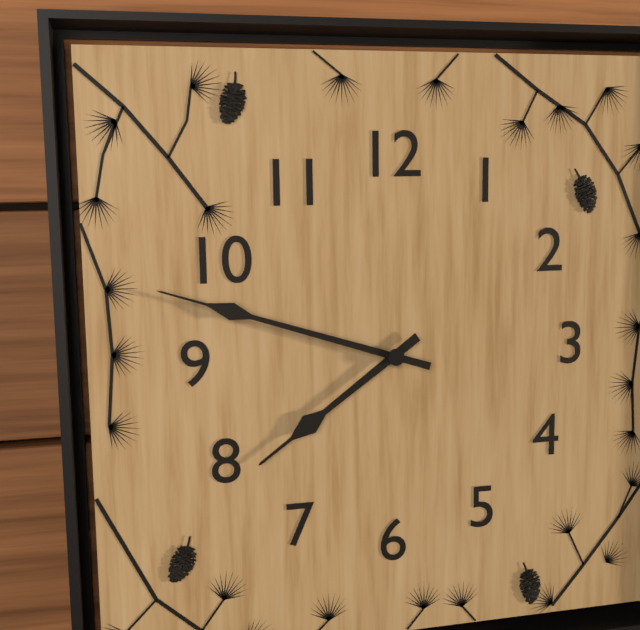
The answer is 7:48
